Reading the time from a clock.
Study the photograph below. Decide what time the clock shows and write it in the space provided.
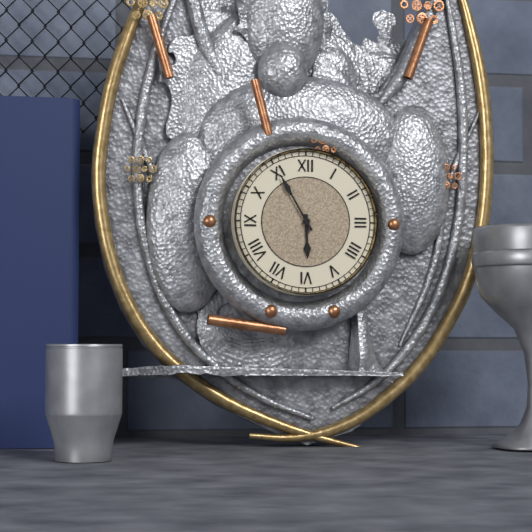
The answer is 5:55
